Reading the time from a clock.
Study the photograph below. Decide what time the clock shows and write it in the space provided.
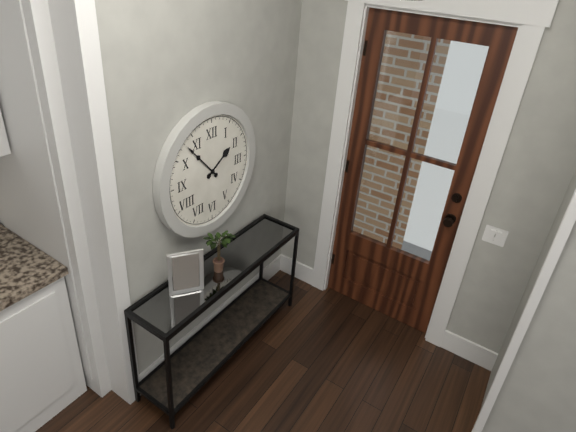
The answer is 1:53
